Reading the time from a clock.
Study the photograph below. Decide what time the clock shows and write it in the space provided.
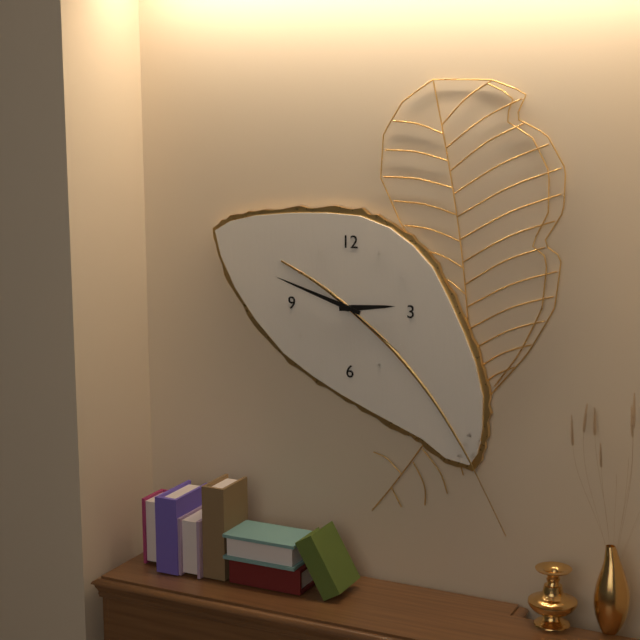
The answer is 2:48:21
